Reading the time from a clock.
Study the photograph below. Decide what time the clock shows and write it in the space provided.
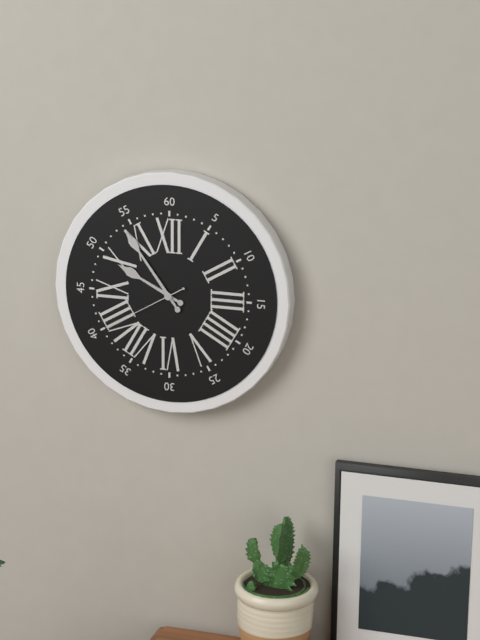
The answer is 9:54:40
